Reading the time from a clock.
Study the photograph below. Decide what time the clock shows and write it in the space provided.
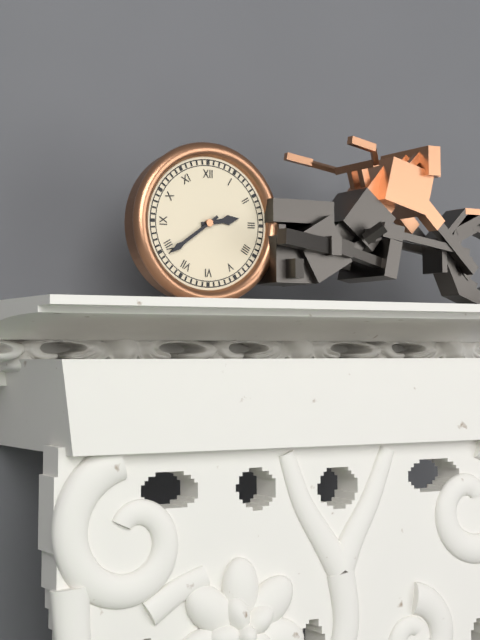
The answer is 2:39
